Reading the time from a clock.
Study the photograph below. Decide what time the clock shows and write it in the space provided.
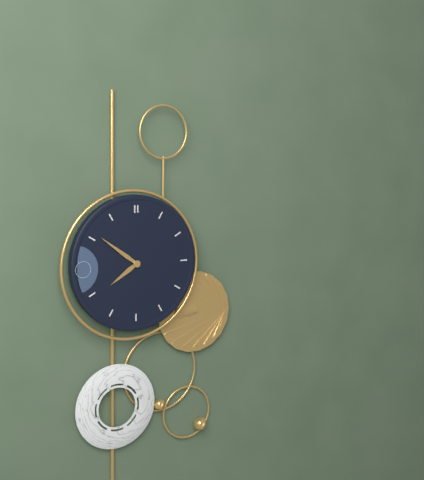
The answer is 7:51
